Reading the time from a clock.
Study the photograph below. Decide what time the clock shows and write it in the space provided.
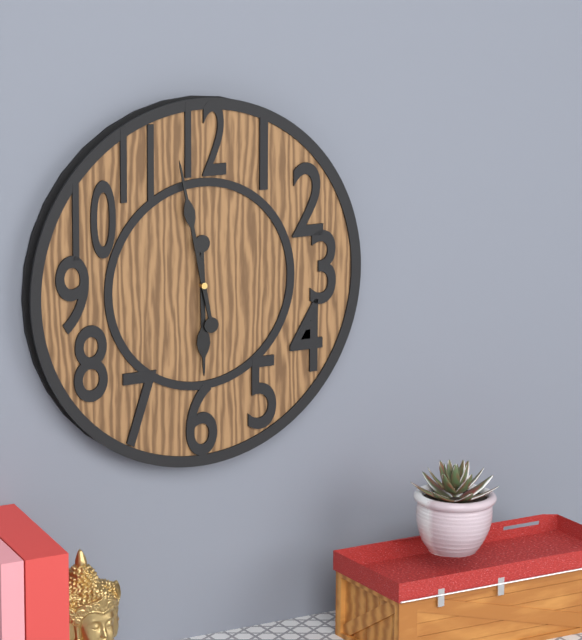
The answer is 5:58
